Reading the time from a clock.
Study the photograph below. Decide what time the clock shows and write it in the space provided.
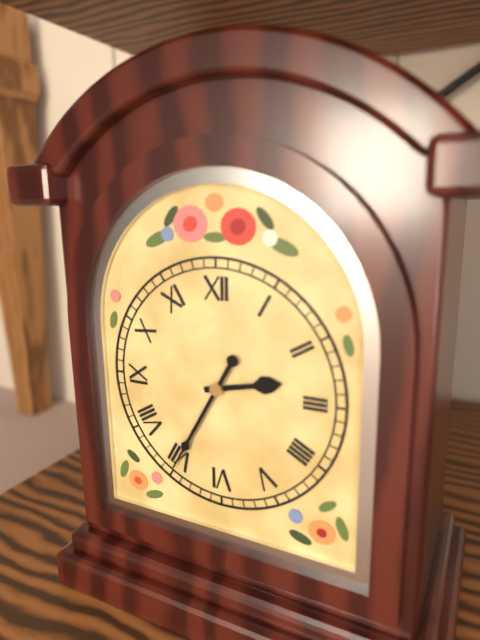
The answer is 2:35
